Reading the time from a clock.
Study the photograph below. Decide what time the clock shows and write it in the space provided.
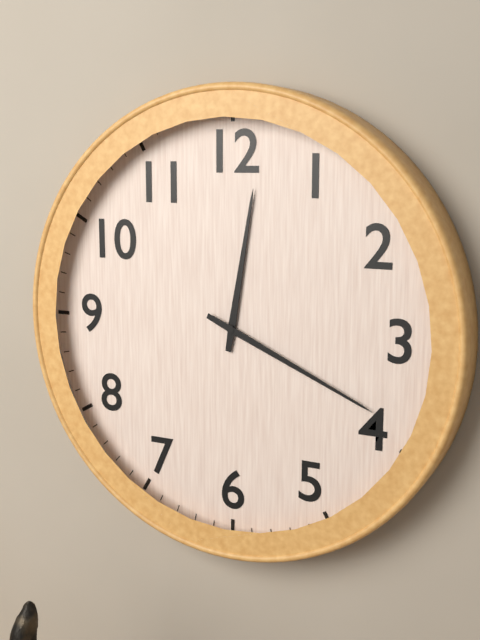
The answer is 12:19
